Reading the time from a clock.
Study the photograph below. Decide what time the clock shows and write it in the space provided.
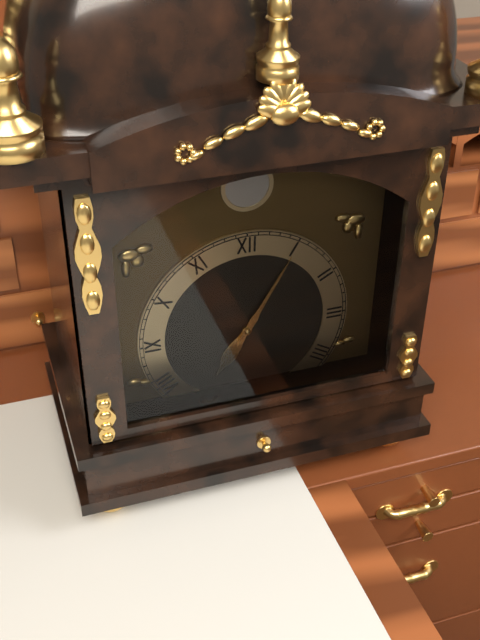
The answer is 7:05
